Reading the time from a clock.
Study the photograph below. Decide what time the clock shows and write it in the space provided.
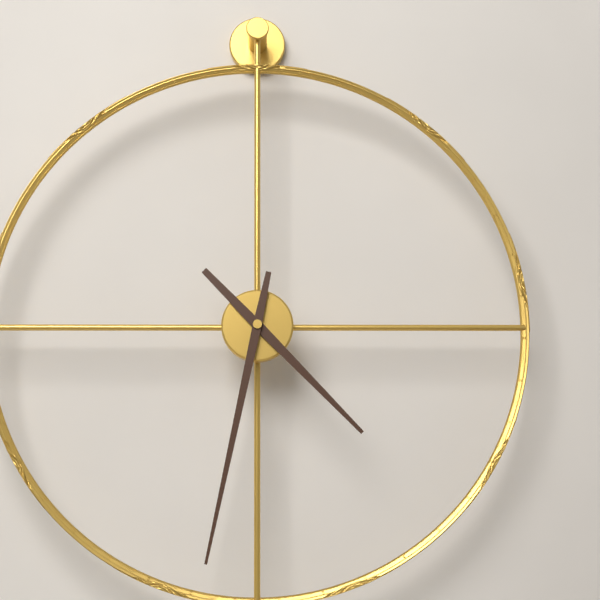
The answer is 4:32
